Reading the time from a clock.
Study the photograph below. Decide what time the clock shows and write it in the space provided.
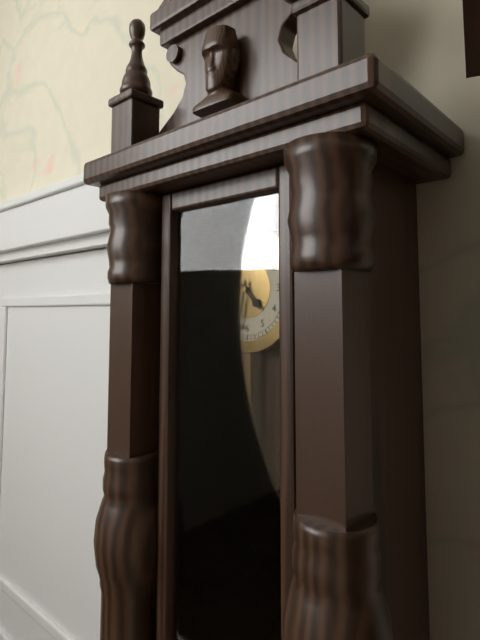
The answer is 4:32
